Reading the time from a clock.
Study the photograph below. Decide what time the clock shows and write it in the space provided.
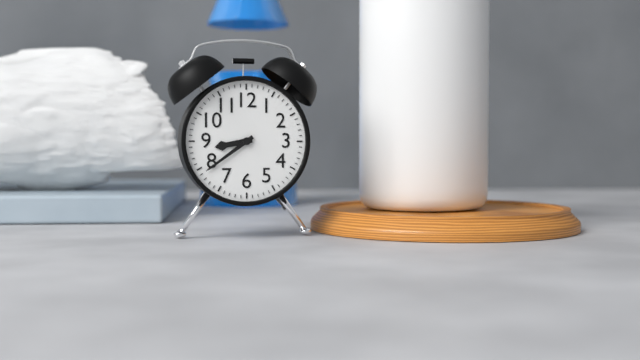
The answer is 8:39
